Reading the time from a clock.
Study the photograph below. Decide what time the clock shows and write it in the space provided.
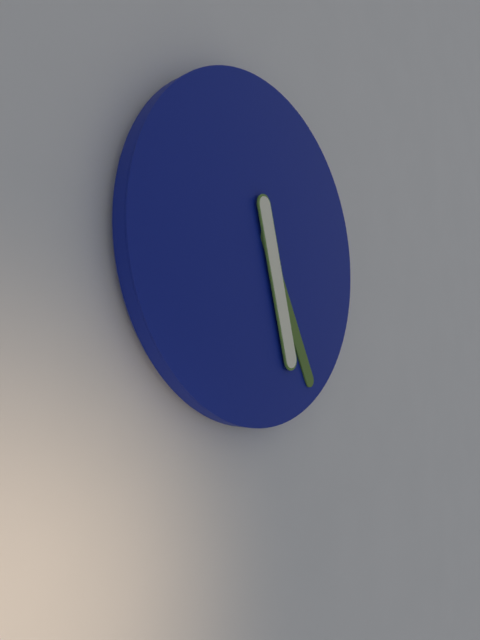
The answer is 5:25
